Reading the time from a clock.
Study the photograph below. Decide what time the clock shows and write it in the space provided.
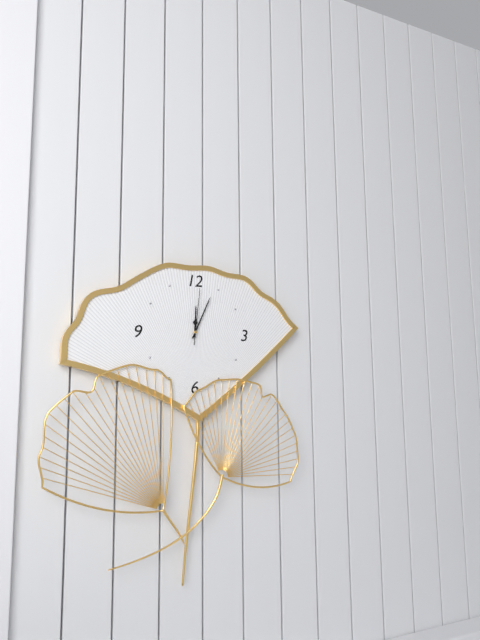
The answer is 12:04:01
